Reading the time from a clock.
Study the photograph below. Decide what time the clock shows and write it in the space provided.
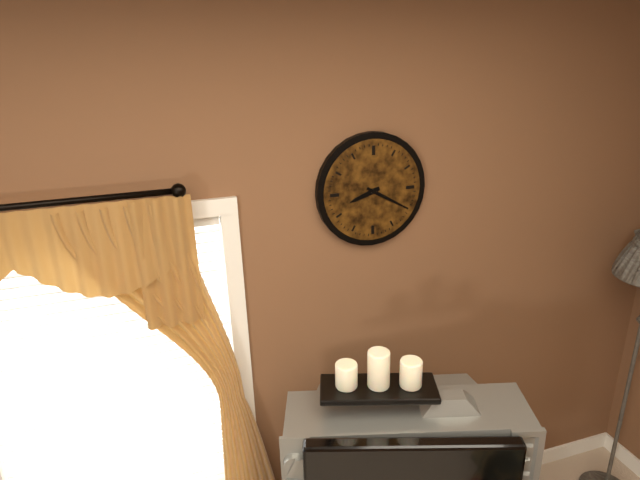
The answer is 8:20
